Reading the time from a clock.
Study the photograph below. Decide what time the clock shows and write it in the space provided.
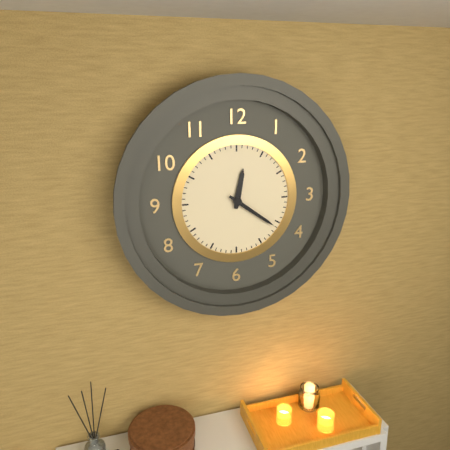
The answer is 12:21
